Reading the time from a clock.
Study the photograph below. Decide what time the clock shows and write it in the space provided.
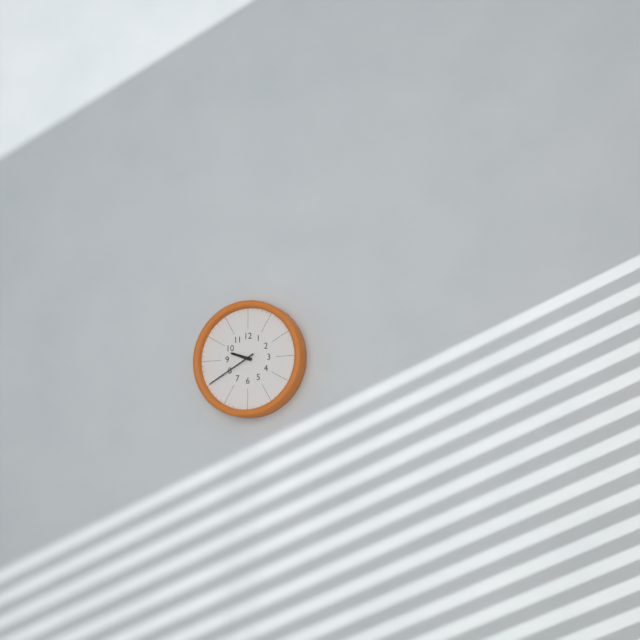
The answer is 9:40
